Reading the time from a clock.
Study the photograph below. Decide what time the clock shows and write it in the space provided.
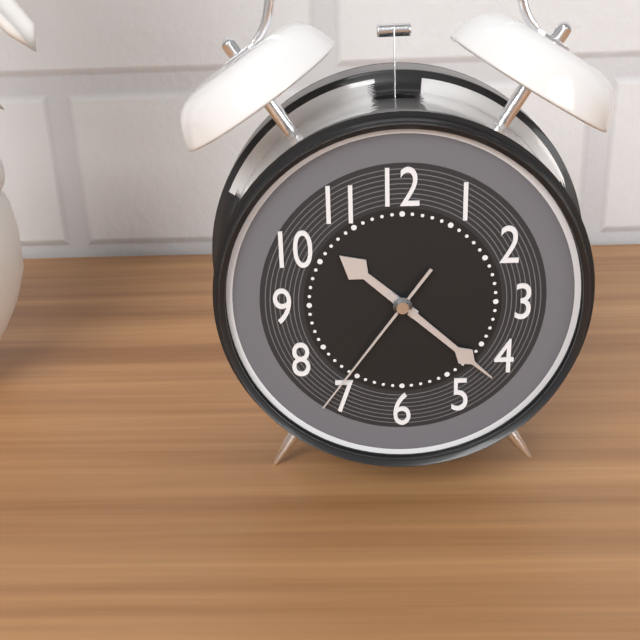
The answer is 10:22:36
